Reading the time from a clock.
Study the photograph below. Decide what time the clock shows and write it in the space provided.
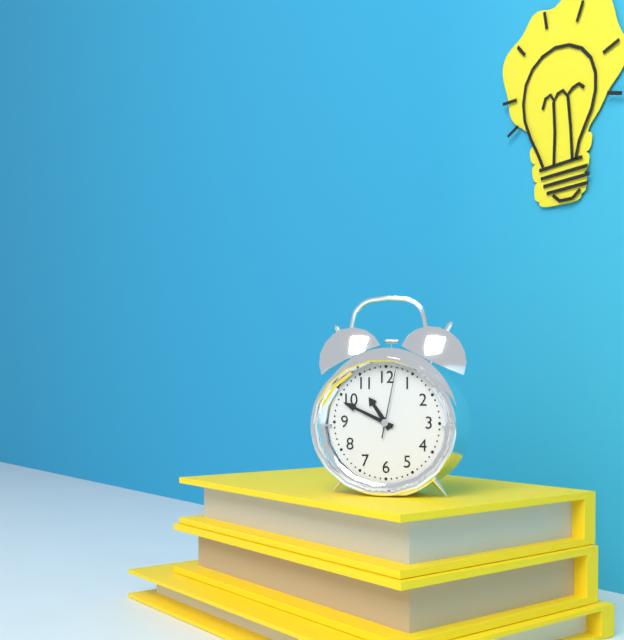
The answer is 10:49:02
